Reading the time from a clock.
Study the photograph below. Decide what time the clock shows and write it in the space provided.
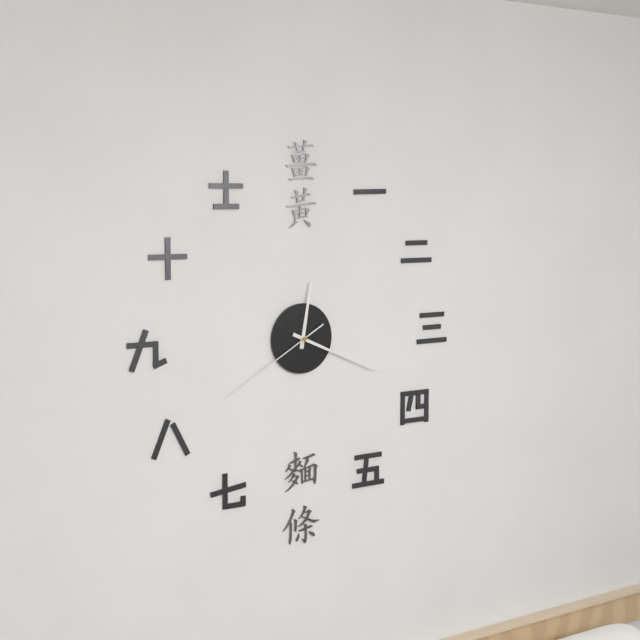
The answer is 12:19:40
